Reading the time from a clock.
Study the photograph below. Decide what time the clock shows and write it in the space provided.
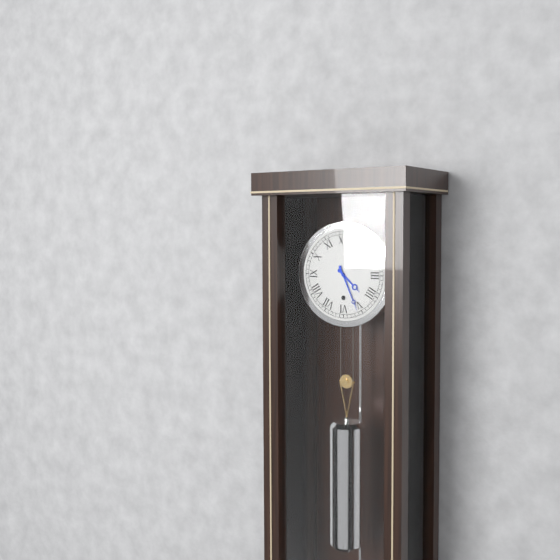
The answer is 4:26
